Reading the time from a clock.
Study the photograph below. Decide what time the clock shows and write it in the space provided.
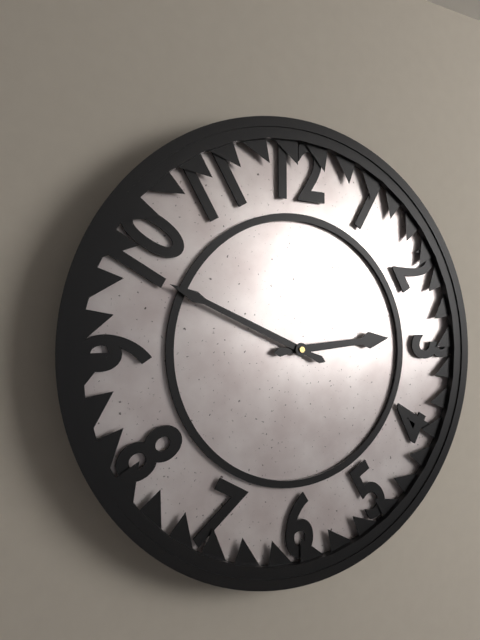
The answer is 2:49
